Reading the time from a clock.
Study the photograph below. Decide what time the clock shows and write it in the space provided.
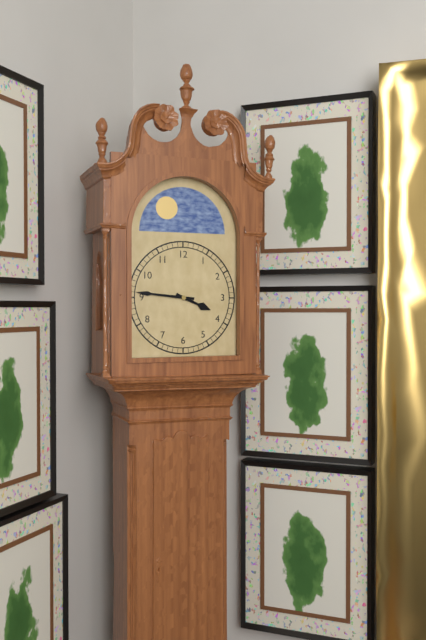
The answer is 3:46
